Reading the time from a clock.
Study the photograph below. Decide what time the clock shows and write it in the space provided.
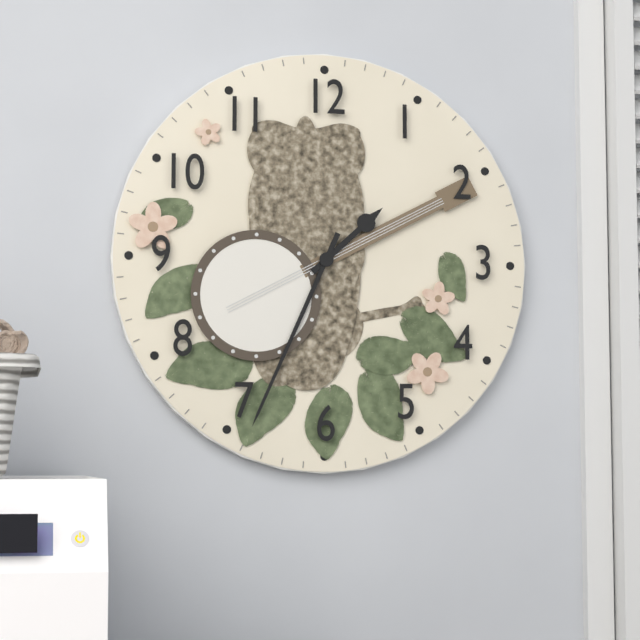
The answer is 1:34
